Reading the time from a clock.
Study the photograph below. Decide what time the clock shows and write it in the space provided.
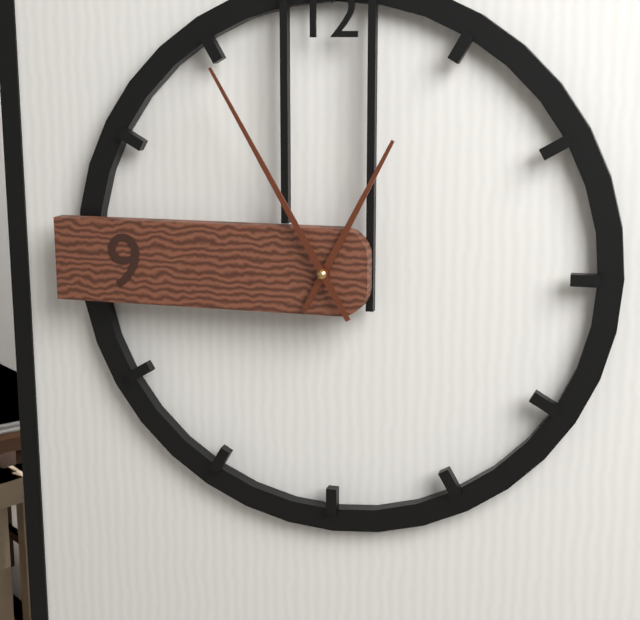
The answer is 12:55
